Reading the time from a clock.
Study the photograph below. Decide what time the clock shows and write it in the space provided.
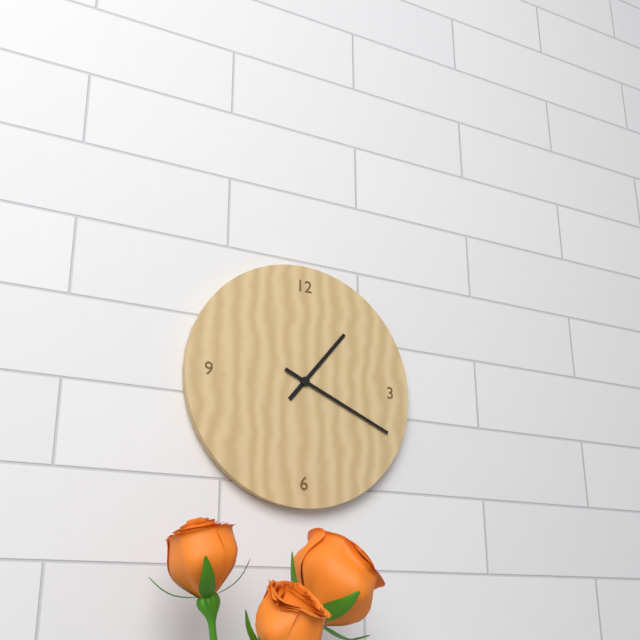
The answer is 1:19
